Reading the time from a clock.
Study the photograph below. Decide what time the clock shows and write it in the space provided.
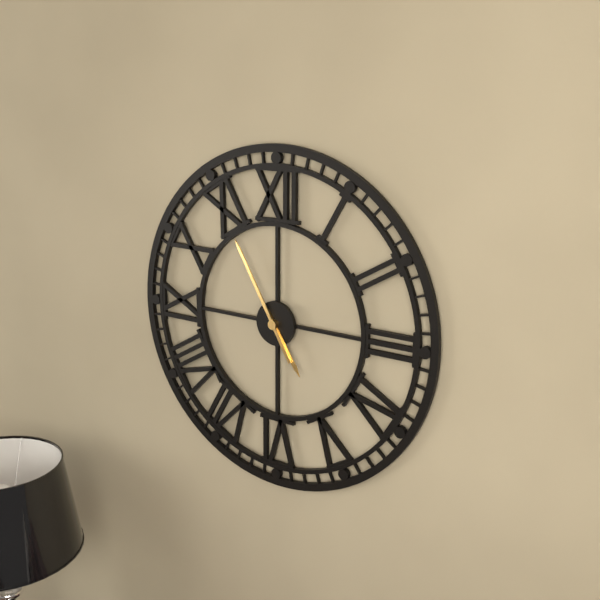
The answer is 4:55
